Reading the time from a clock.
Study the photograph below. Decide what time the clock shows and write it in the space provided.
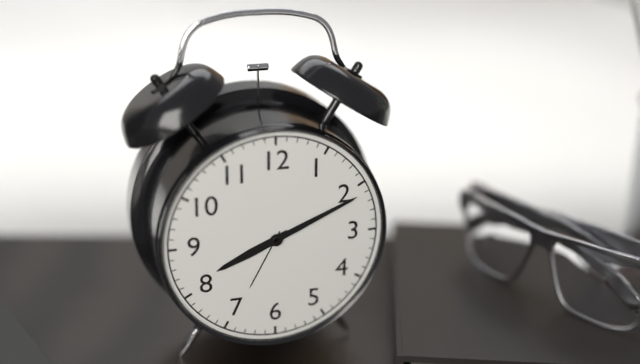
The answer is 8:11
